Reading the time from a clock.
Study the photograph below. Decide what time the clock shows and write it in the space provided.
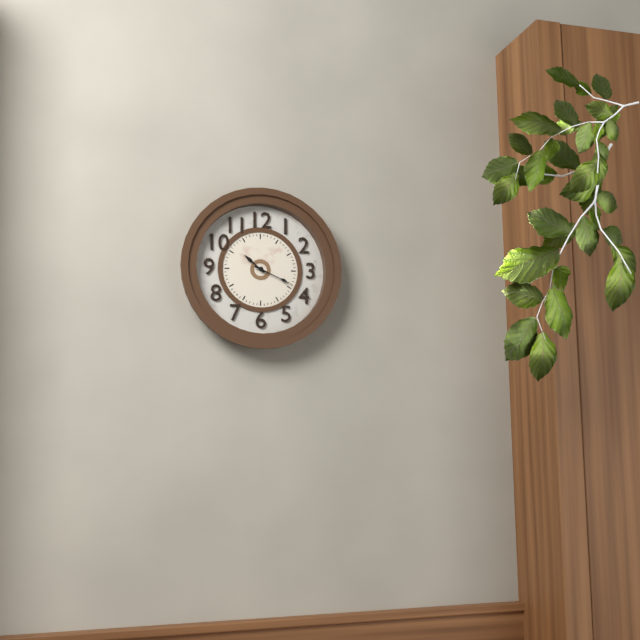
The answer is 10:19
